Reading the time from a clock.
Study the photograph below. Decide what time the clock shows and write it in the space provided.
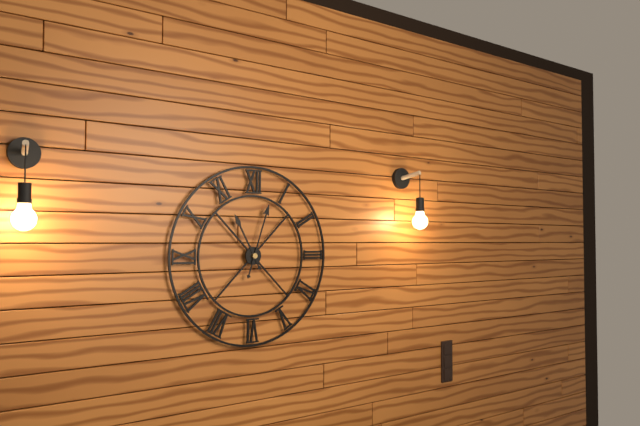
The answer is 11:03
